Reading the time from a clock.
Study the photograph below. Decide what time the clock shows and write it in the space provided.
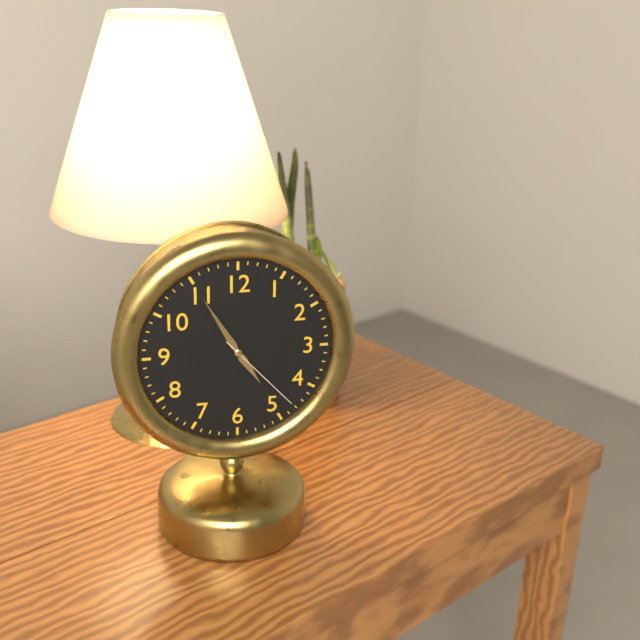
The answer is 4:55:23
